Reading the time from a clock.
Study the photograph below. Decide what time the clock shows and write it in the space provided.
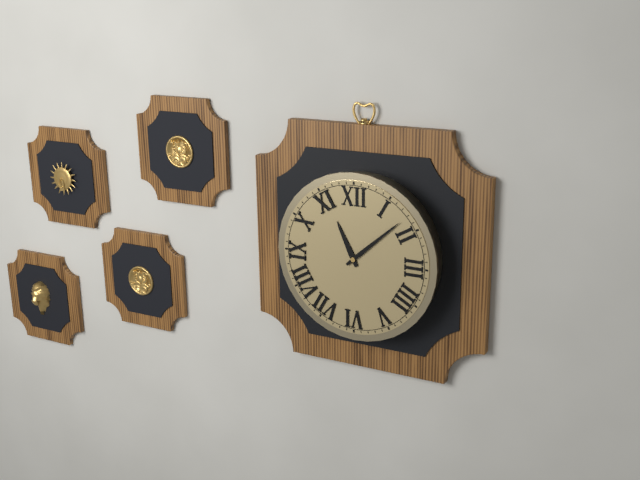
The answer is 11:08
